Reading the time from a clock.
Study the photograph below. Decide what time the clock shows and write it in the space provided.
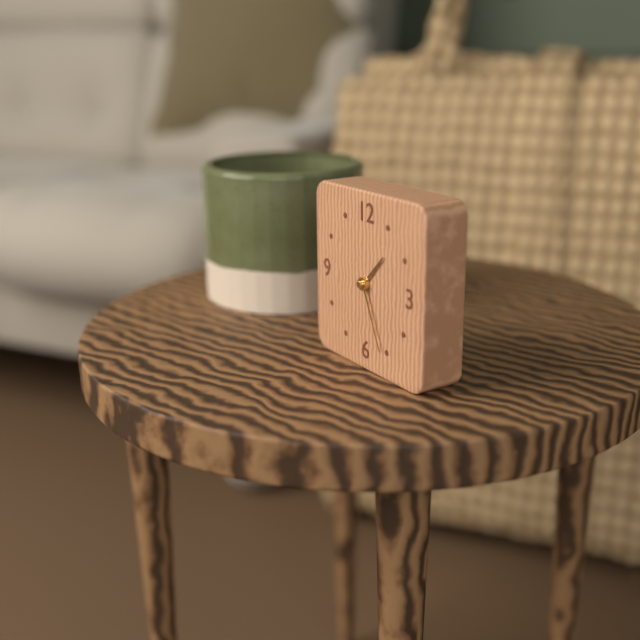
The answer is 1:26
